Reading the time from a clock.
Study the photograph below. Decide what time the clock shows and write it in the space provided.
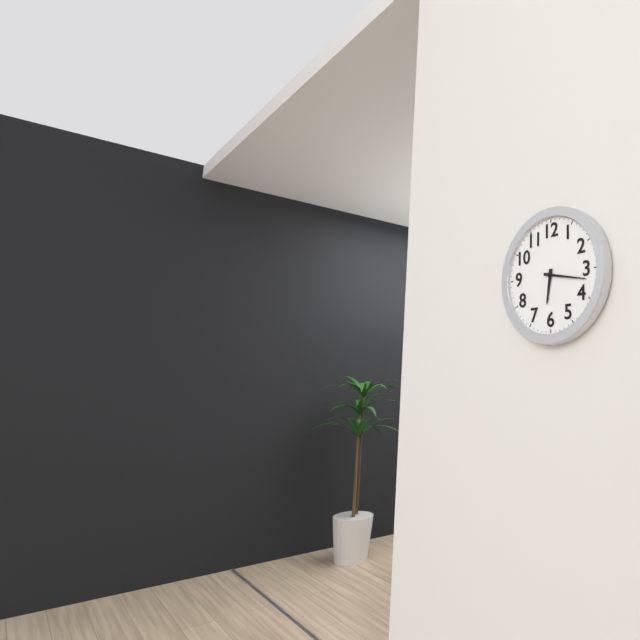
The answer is 6:17
